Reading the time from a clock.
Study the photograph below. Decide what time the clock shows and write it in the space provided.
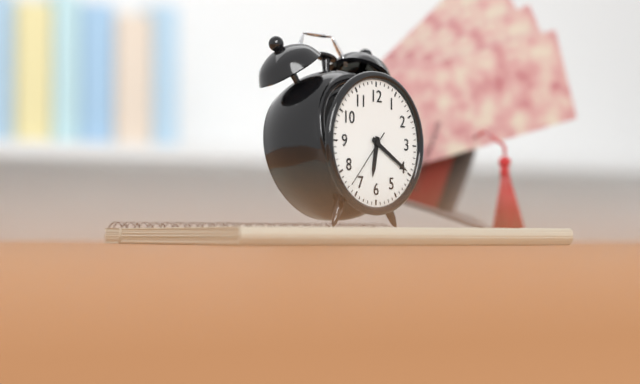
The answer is 6:20:37
